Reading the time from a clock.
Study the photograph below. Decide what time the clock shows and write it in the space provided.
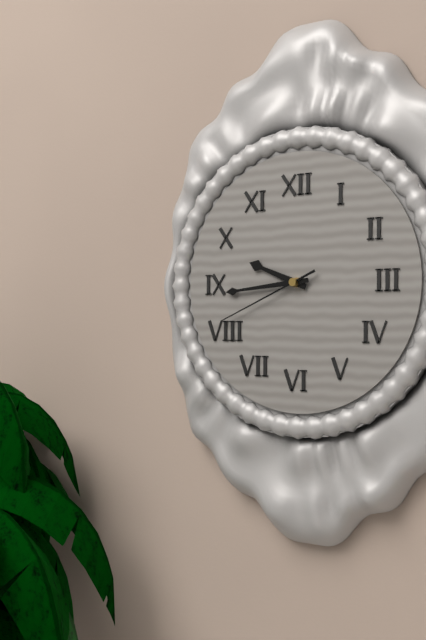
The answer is 9:44:41
